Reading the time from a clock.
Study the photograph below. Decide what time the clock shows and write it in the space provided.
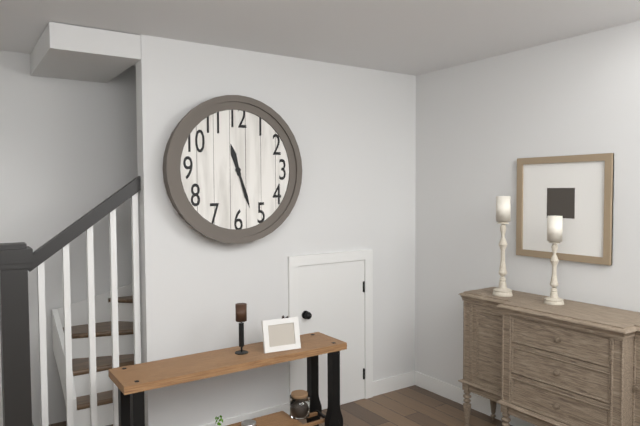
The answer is 11:27
